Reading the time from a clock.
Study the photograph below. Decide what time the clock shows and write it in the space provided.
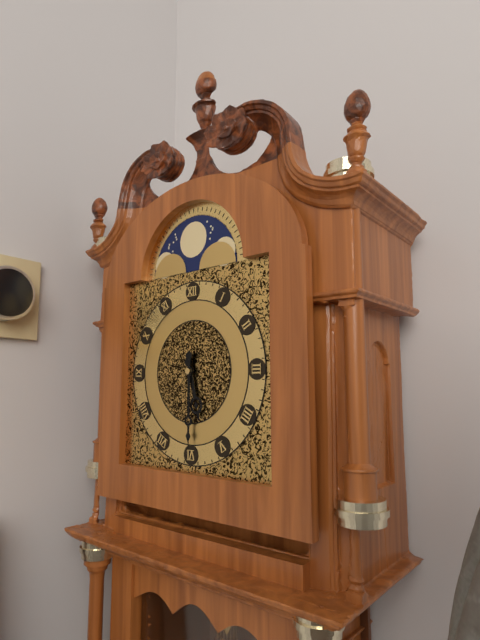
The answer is 5:30
